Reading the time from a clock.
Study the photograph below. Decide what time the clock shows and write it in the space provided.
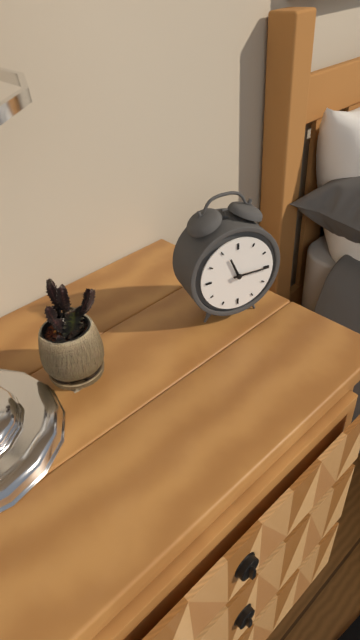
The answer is 11:15
